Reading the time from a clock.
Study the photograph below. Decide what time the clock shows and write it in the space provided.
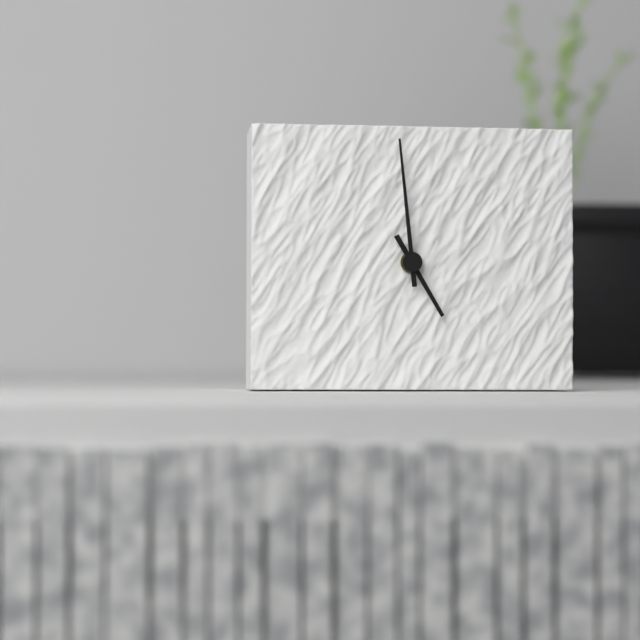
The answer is 4:59
